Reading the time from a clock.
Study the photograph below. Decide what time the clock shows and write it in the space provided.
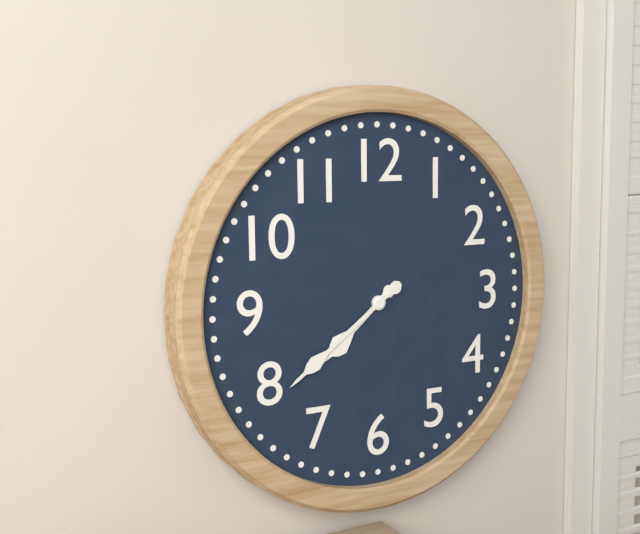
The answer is 7:39
